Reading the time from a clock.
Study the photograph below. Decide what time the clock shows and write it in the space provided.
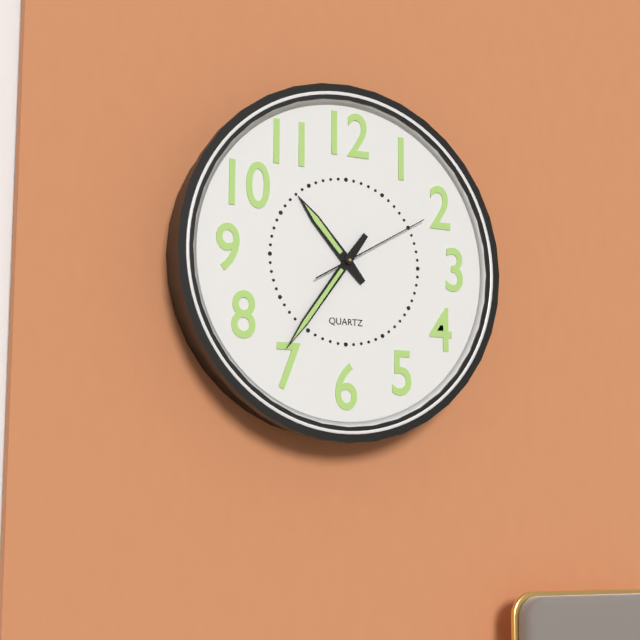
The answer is 10:36:10
